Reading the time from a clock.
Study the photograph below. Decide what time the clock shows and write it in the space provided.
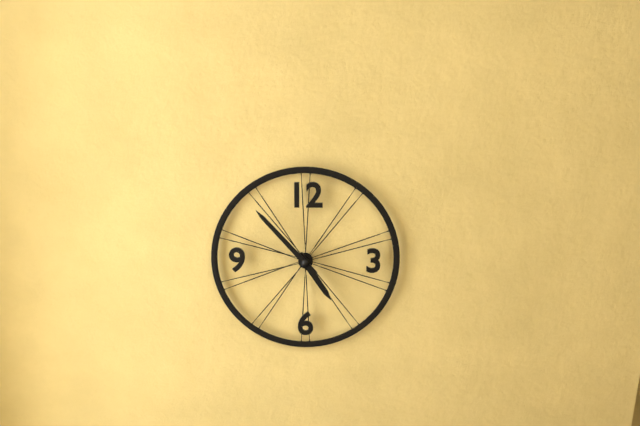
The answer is 4:53
